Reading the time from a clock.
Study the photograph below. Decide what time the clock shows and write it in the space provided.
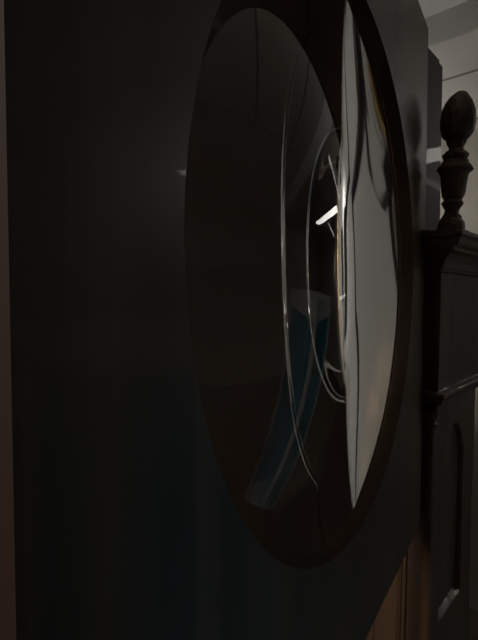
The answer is 1:55
